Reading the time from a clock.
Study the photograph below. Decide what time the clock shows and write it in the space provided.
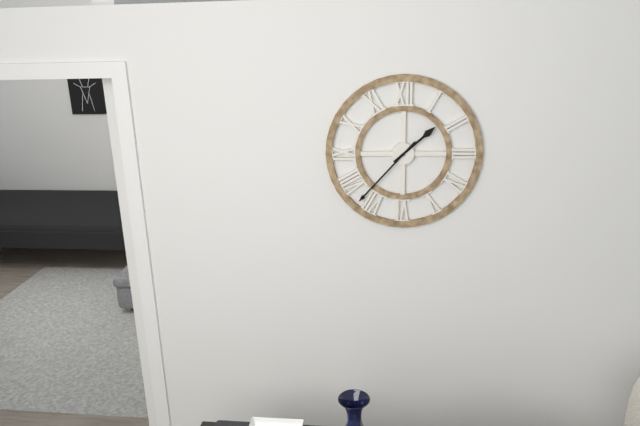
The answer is 1:37
